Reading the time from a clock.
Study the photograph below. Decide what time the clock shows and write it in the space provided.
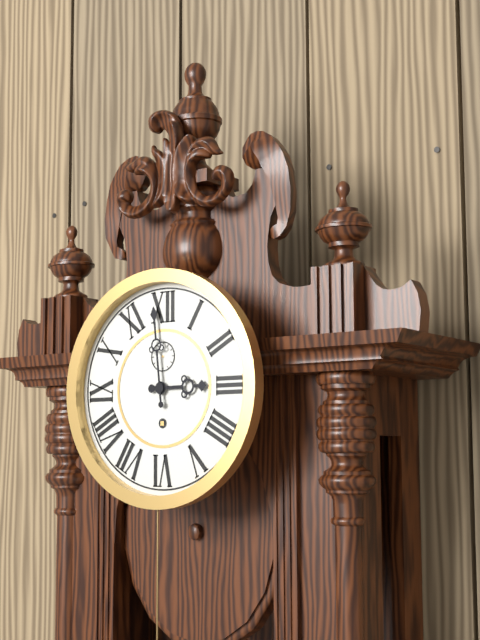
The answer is 2:59
